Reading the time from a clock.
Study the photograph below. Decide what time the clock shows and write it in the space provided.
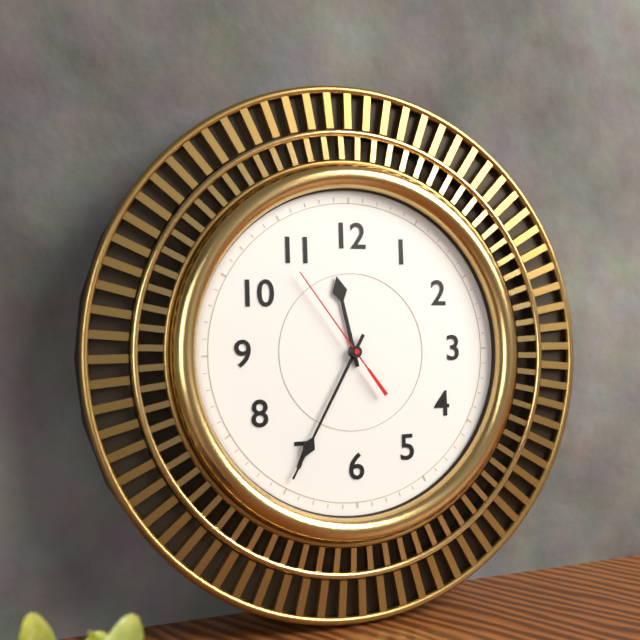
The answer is 11:35:54
